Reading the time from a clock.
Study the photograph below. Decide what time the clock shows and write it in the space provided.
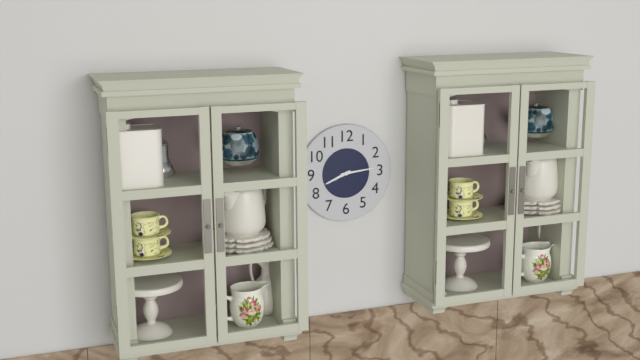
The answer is 8:14
